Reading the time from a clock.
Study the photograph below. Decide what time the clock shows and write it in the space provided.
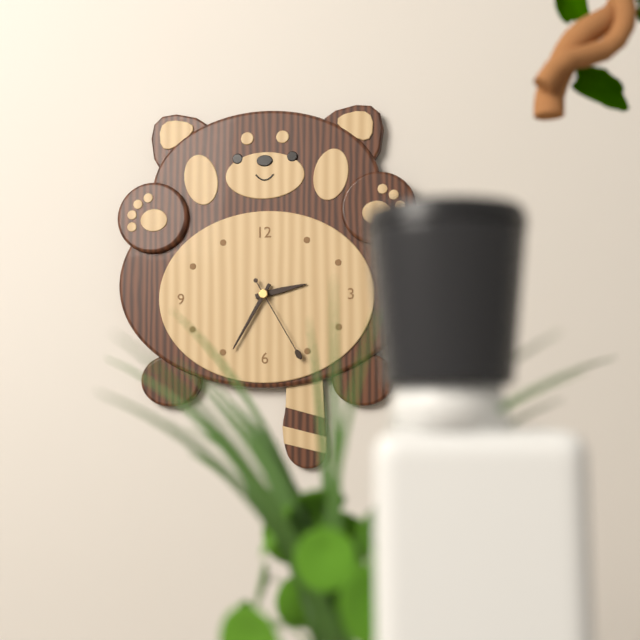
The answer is 2:35:25
